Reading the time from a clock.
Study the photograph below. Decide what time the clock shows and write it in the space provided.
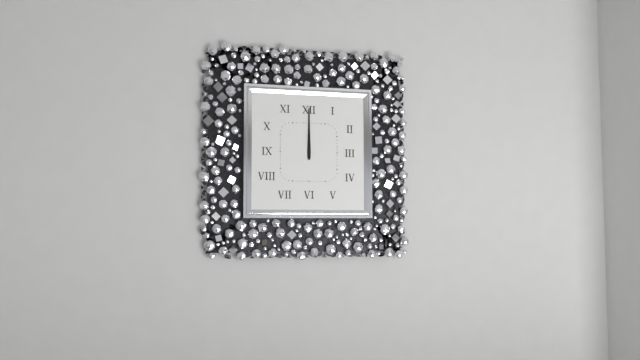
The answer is 12:00
